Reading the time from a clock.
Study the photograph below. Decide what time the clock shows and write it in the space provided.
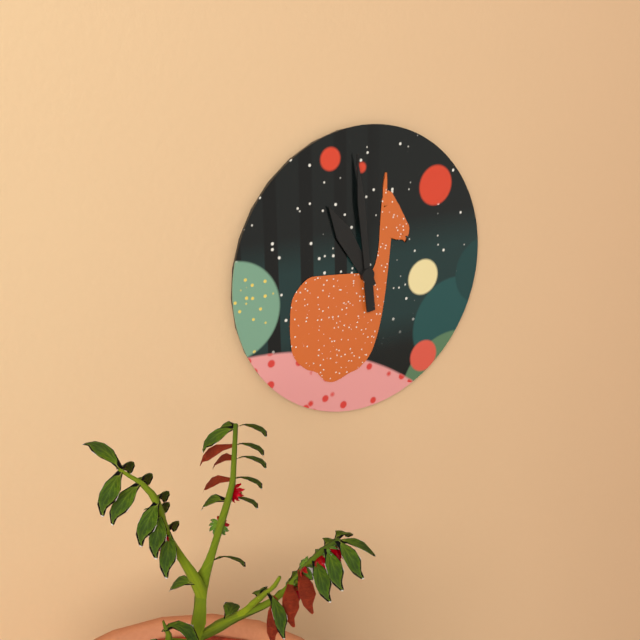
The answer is 10:59
